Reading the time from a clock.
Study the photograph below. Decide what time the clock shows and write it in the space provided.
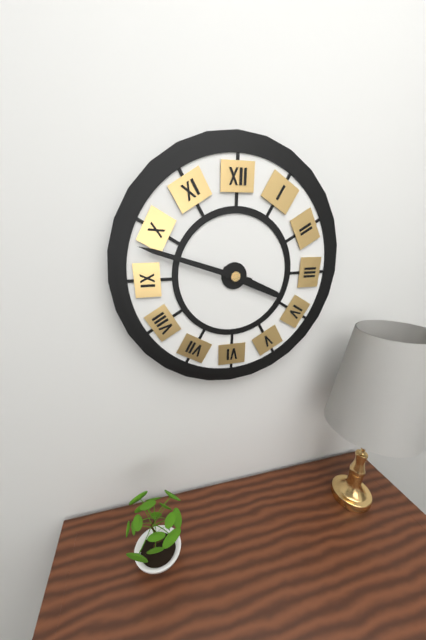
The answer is 3:48
